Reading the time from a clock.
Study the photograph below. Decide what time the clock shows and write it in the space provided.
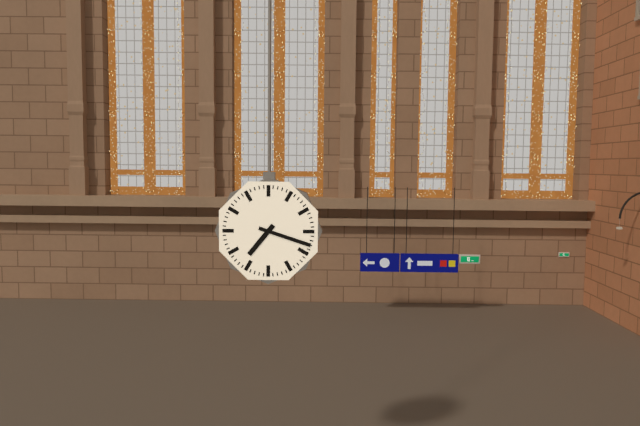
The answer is 7:18
